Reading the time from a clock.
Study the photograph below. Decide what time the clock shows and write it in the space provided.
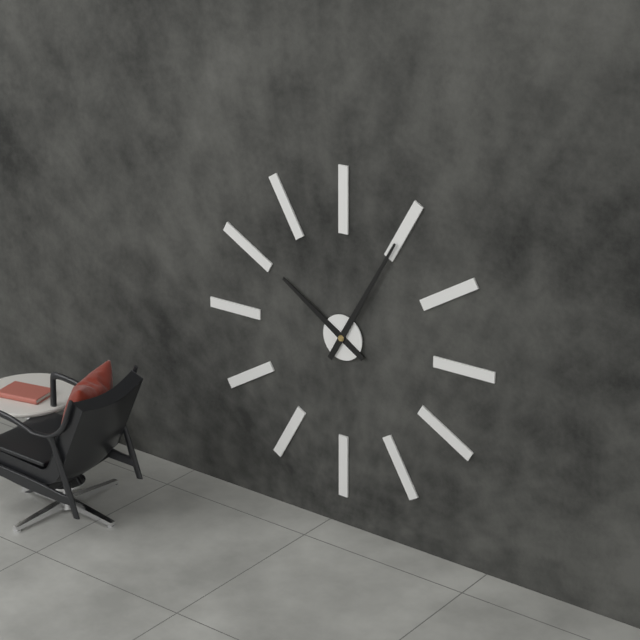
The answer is 10:05
